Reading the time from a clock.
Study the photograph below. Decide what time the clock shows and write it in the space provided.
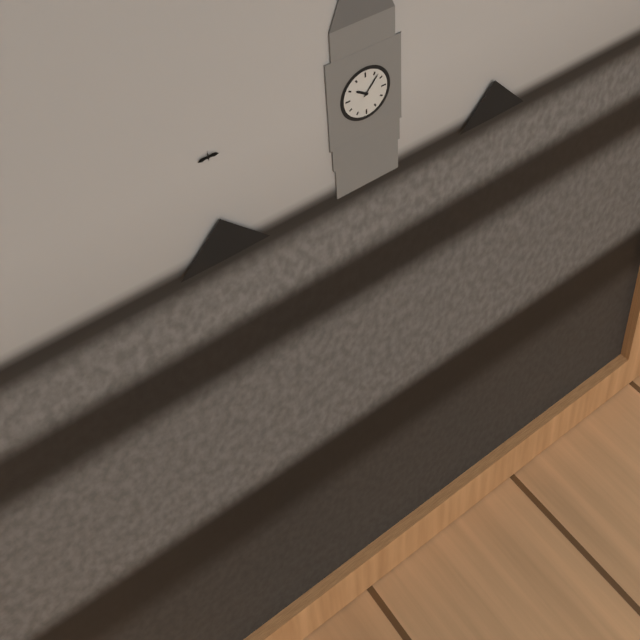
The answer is 10:07
